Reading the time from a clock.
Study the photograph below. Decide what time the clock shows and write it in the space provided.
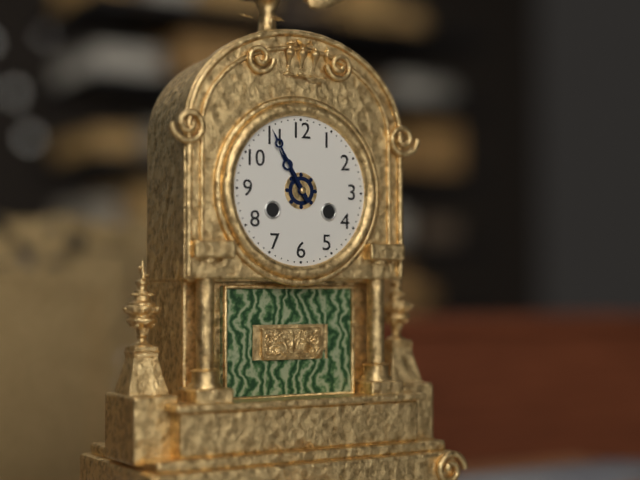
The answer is 10:55
